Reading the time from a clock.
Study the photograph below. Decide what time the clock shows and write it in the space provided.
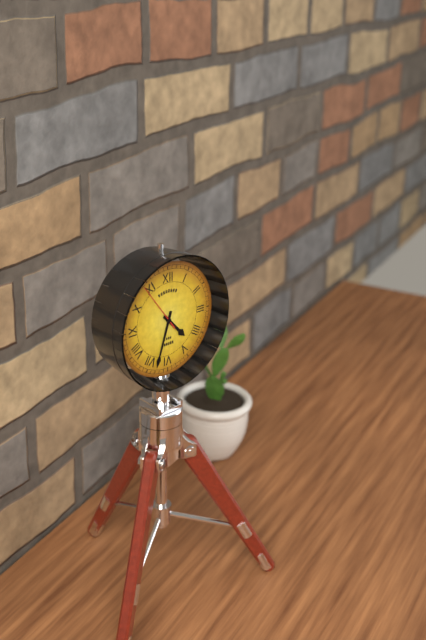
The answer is 4:33
